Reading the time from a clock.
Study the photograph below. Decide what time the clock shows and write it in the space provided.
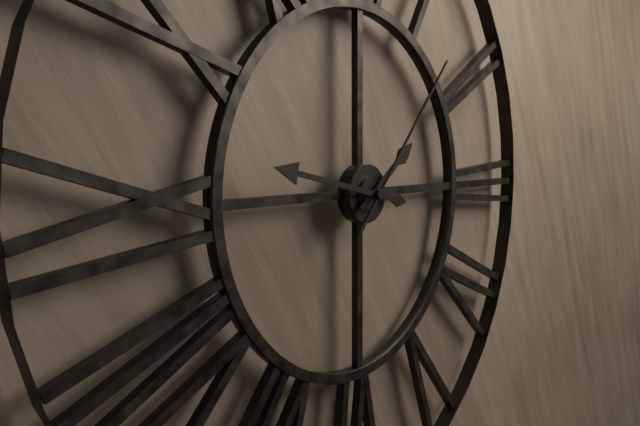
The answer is 1:47:07
